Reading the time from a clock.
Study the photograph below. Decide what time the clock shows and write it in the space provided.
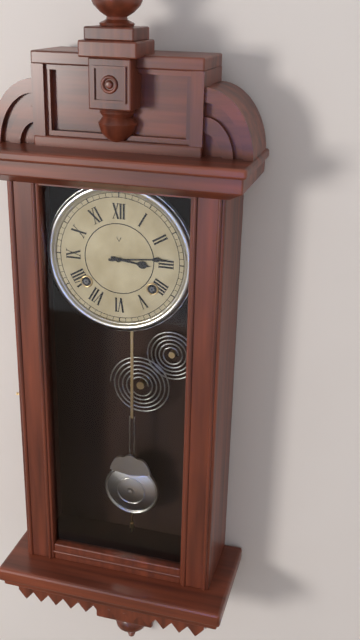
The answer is 3:14
